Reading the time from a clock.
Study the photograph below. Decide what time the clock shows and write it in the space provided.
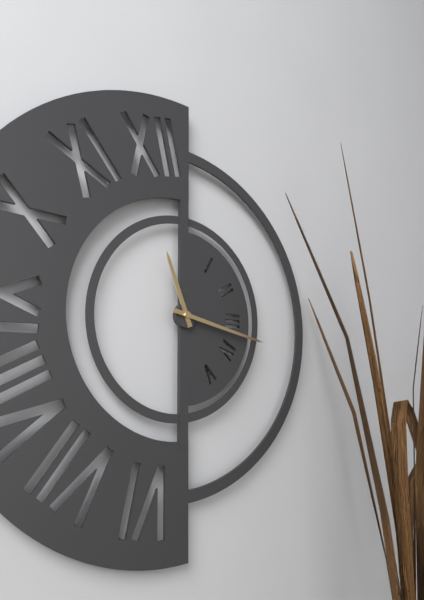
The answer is 11:17
